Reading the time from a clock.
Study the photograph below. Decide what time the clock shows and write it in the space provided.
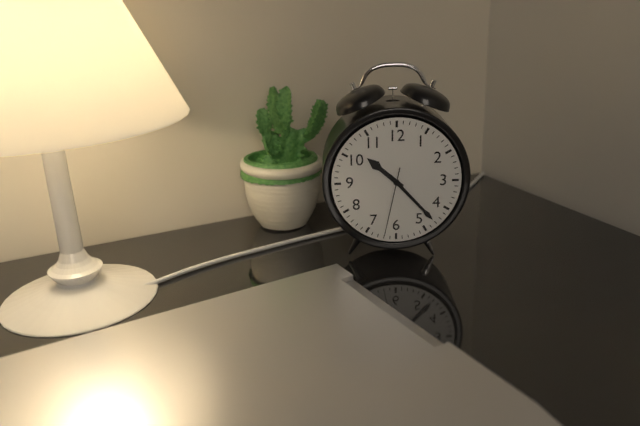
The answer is 10:23:32
